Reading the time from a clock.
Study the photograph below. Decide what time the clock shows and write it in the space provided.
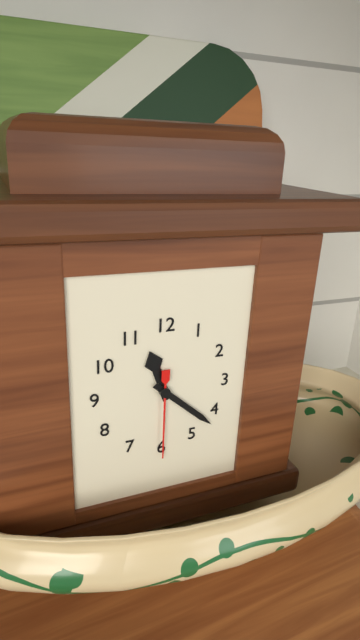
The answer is 11:22:30
